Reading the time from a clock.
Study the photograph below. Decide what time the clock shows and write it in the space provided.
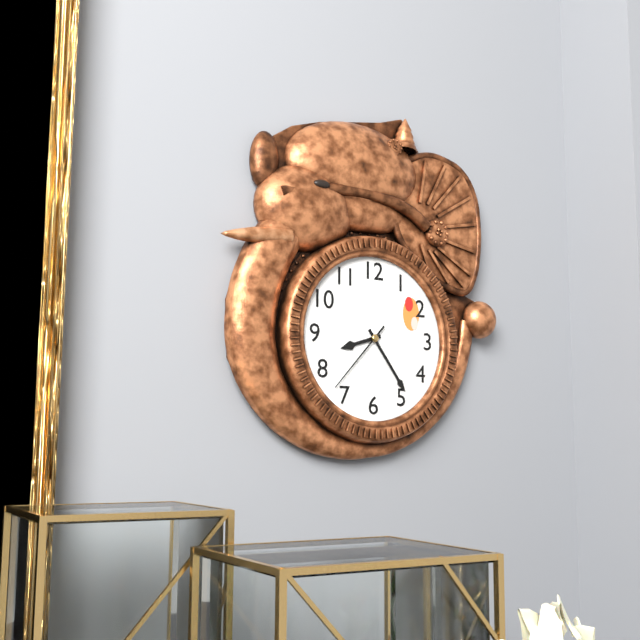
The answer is 8:24:37
